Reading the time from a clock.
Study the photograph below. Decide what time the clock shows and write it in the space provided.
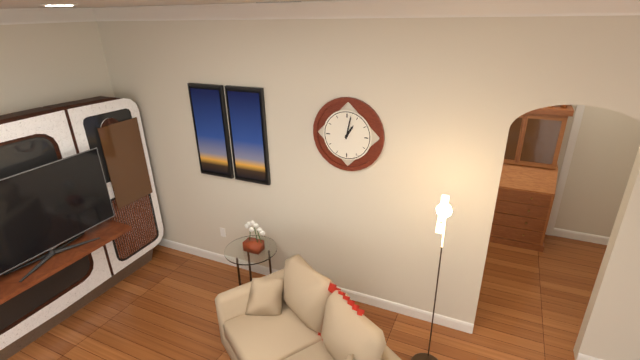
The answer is 1:02
